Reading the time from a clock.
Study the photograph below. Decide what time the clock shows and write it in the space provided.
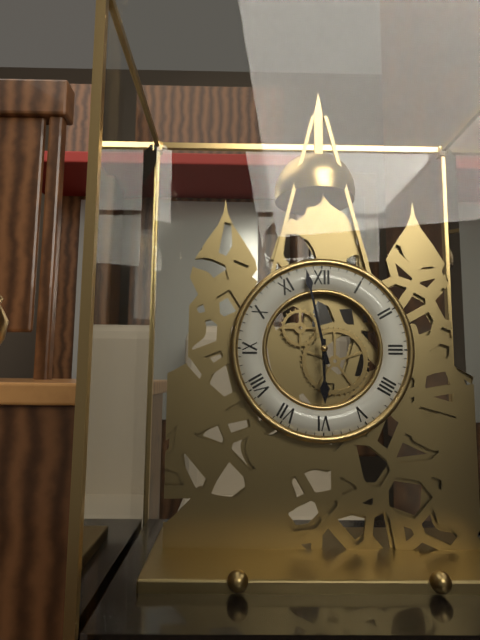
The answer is 5:58
